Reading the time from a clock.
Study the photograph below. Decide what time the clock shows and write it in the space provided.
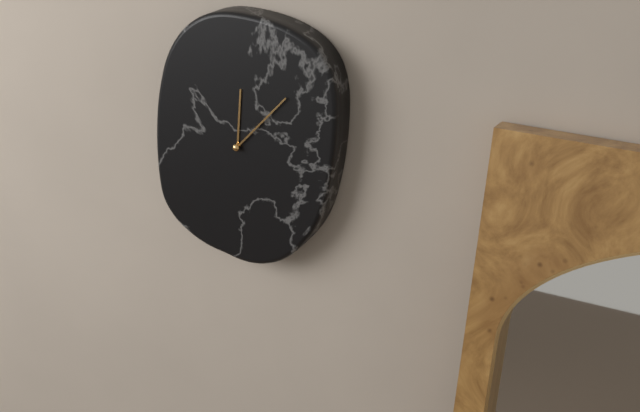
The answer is 12:07
